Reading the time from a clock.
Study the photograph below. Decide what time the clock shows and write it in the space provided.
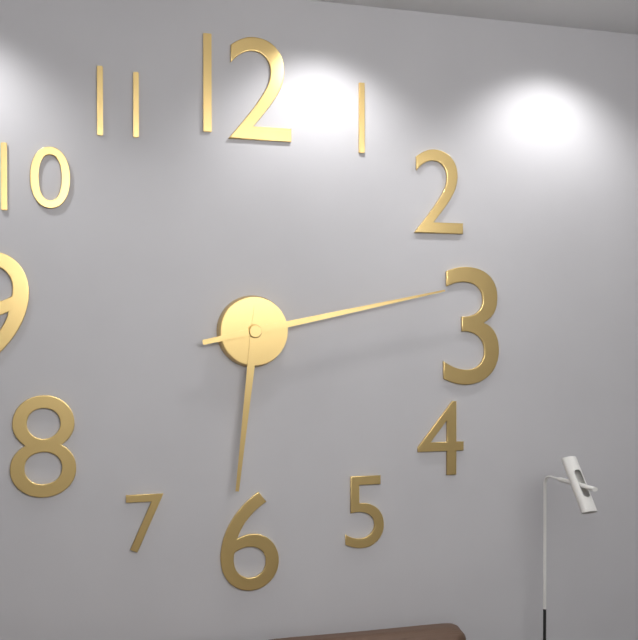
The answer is 6:13
